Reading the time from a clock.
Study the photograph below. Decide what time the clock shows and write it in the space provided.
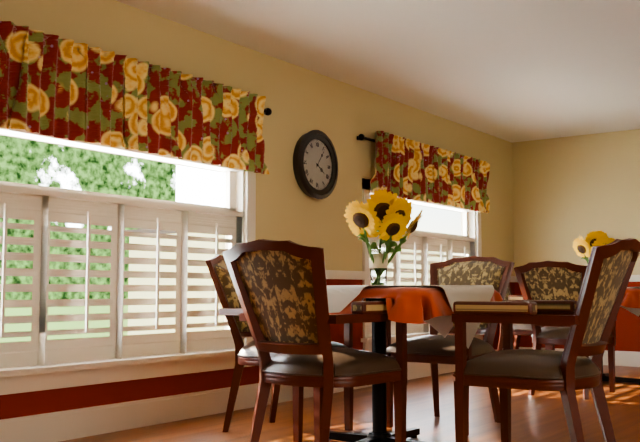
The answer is 4:06
